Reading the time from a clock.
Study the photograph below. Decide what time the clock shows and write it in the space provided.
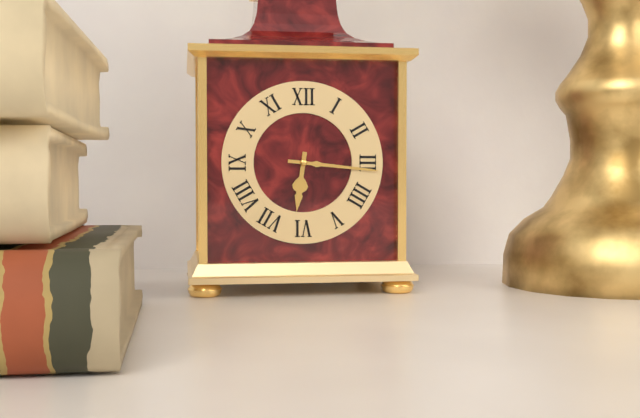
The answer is 6:16
